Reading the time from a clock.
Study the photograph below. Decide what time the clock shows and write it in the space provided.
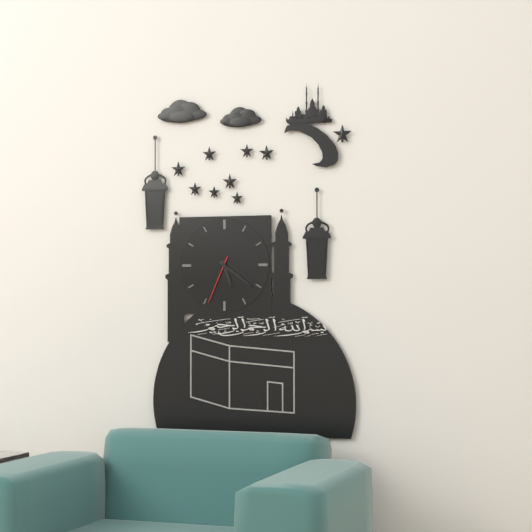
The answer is 5:21:34
